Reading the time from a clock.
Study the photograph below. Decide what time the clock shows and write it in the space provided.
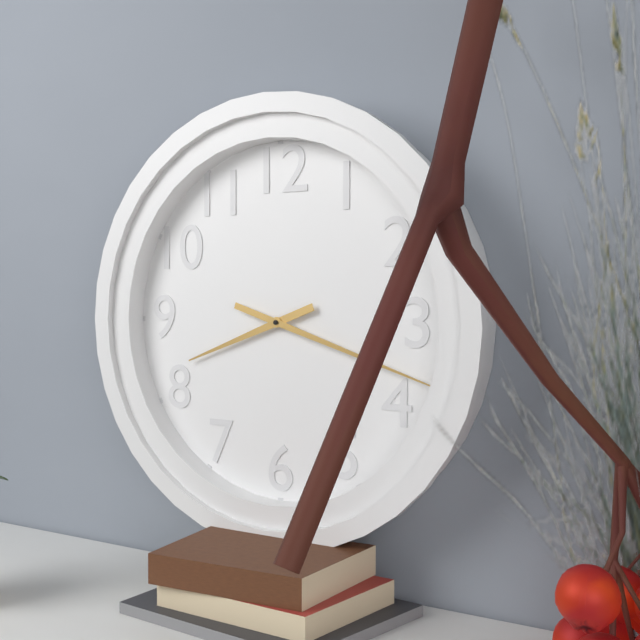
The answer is 8:18
